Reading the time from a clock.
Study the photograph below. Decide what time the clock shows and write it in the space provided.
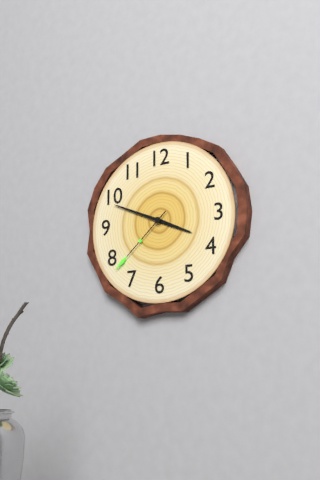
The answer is 3:49:38
